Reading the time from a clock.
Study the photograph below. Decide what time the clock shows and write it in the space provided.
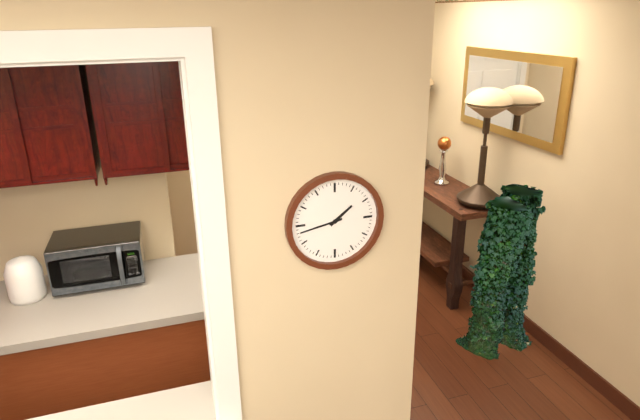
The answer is 1:43
